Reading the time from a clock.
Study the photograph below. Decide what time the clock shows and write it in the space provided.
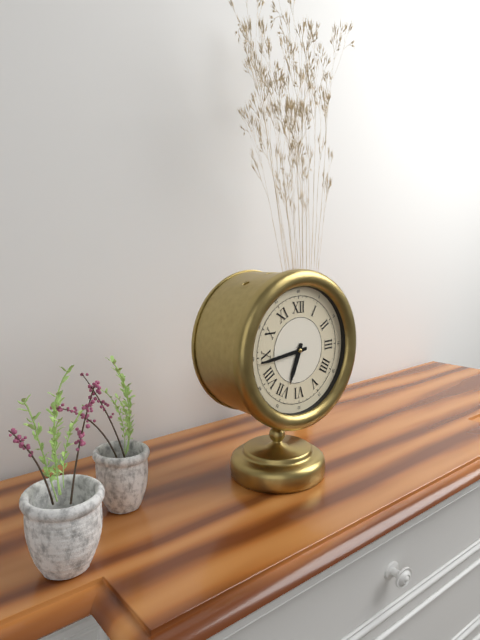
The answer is 6:44
